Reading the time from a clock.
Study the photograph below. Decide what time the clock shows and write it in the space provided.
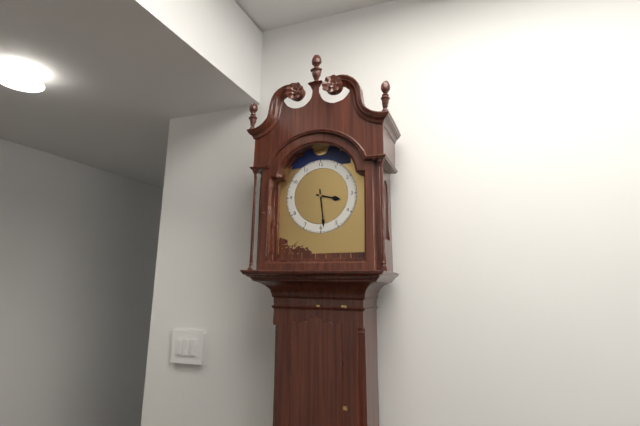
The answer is 3:29
